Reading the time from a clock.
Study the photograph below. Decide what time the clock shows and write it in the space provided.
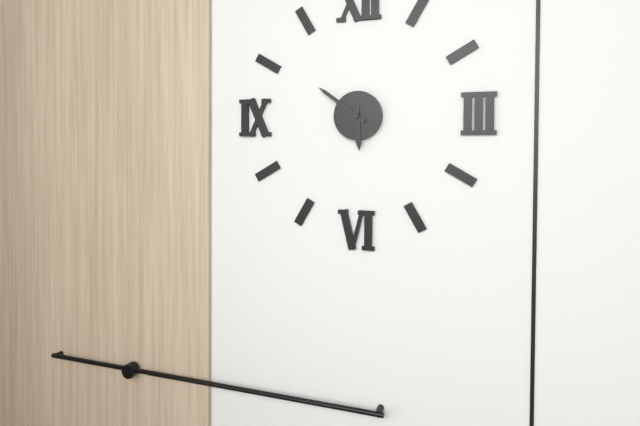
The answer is 5:51
